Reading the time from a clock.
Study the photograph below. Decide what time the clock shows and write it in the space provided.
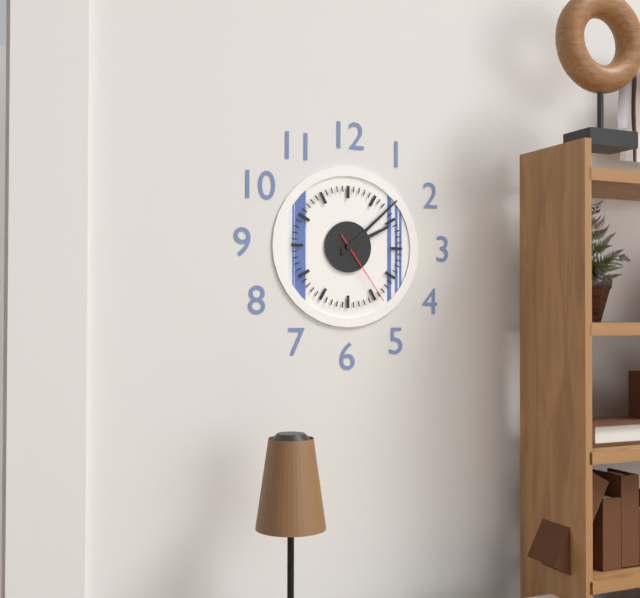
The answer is 2:08:24
